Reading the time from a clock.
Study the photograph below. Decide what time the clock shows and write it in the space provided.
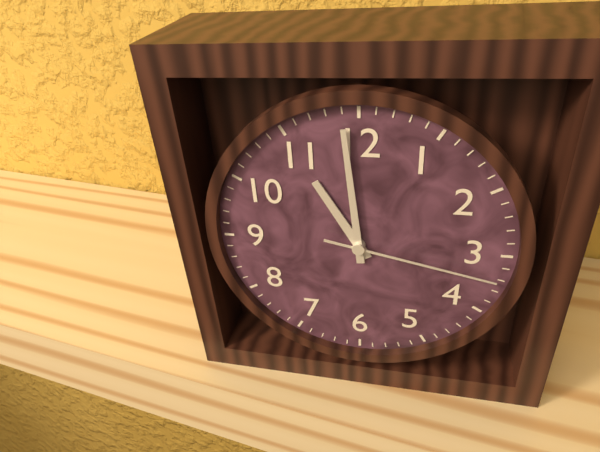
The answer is 10:59:17
